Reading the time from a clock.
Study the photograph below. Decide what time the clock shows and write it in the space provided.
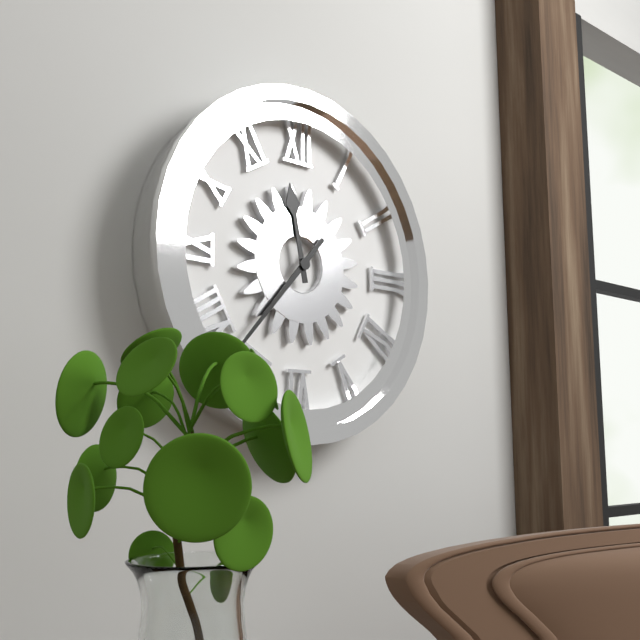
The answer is 11:37
